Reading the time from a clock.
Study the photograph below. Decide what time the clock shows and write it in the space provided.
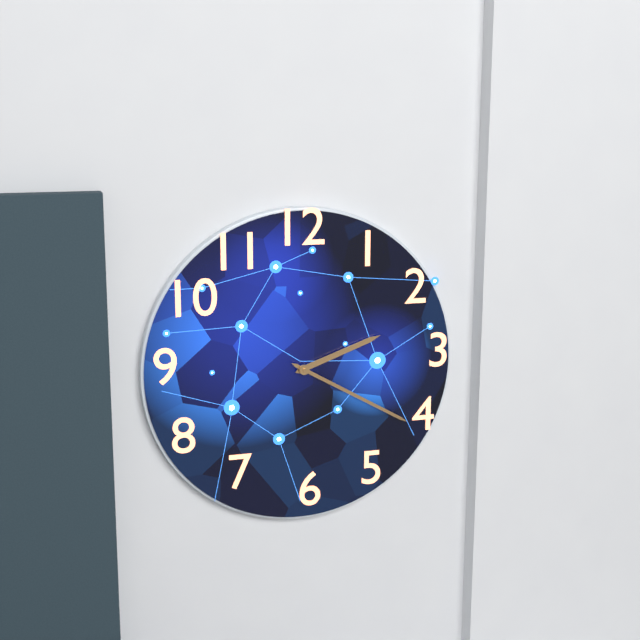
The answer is 2:20
